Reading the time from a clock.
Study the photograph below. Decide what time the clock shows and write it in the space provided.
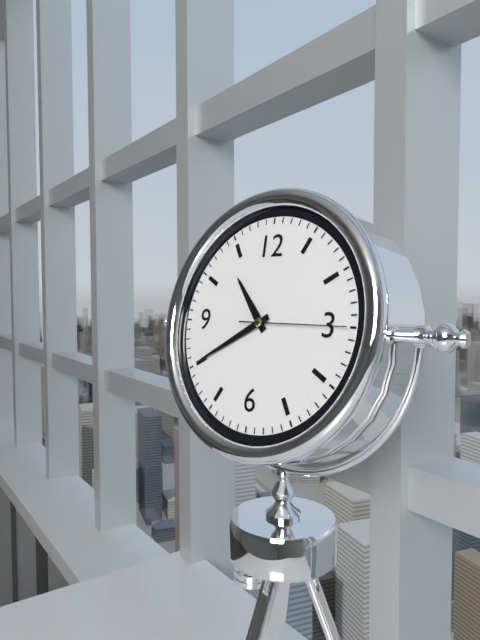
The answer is 10:40:15
